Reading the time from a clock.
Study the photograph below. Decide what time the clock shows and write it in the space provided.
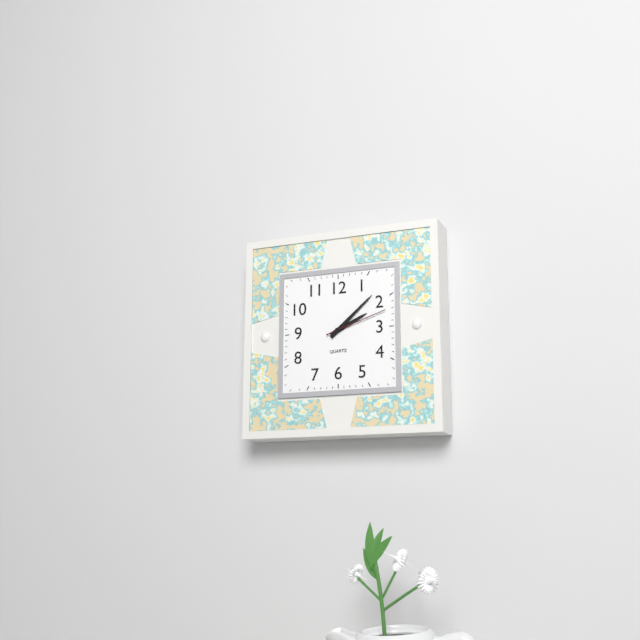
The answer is 2:08:12
